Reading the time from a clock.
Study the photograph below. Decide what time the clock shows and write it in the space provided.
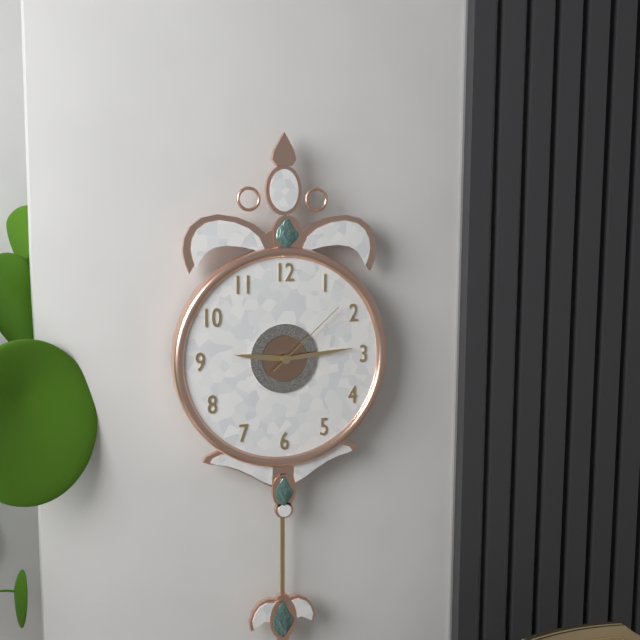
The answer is 9:14:08
